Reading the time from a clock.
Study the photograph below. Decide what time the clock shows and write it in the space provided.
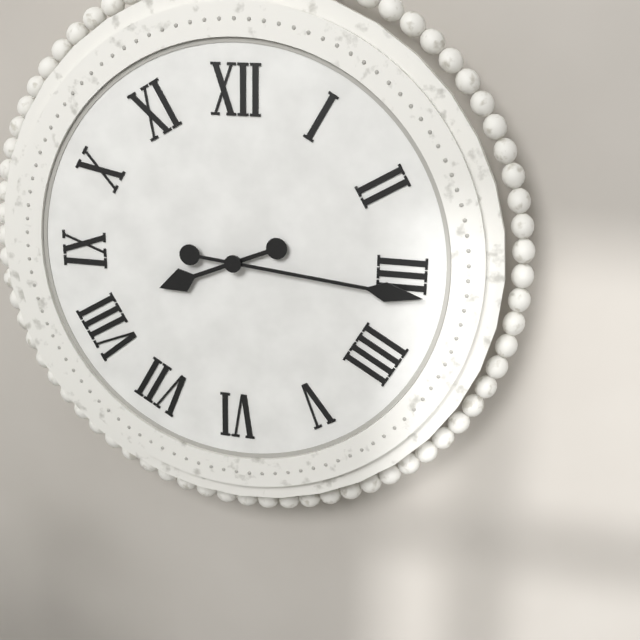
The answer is 8:16
